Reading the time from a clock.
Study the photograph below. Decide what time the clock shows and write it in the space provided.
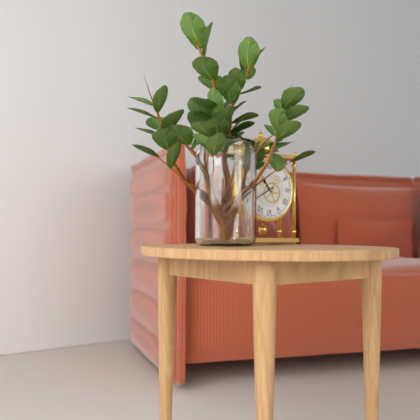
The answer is 10:40
